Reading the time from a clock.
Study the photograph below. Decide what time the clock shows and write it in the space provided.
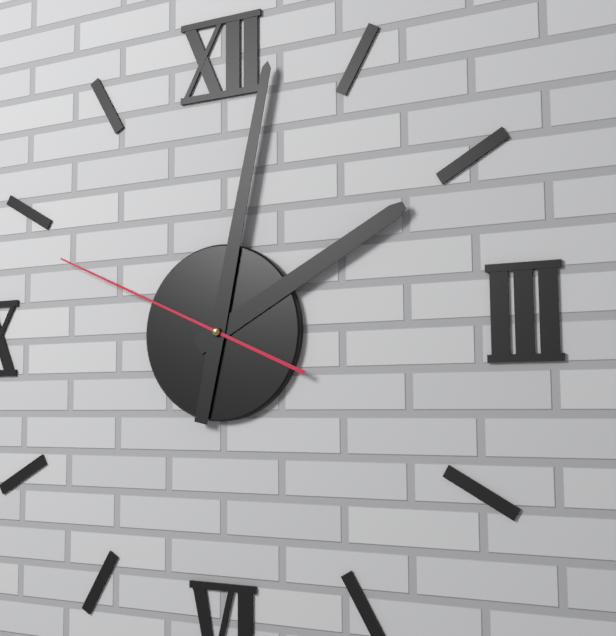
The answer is 2:02:49
